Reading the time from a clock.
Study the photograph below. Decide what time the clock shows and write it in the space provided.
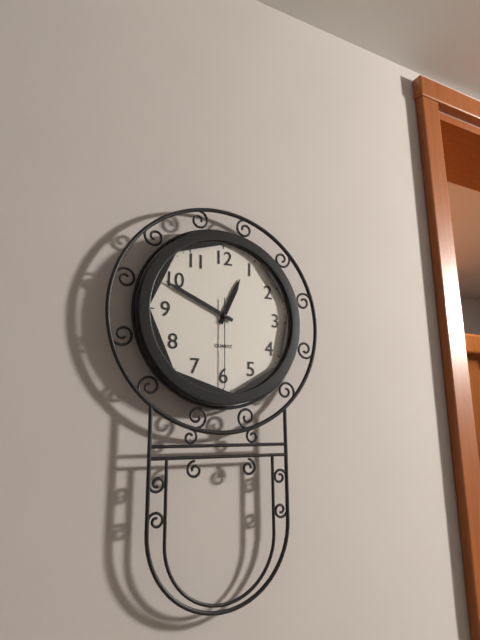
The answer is 12:49:30
